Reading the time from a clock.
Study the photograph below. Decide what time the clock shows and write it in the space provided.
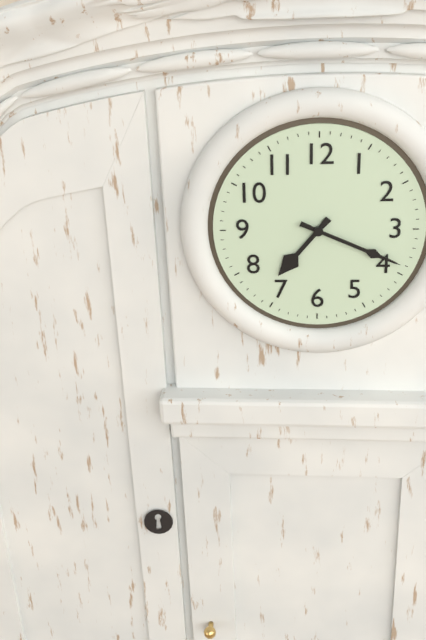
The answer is 7:19
